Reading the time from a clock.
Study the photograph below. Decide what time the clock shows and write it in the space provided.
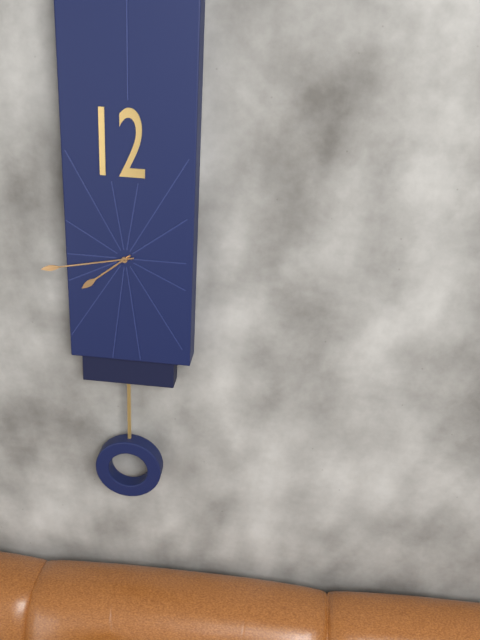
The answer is 7:43
